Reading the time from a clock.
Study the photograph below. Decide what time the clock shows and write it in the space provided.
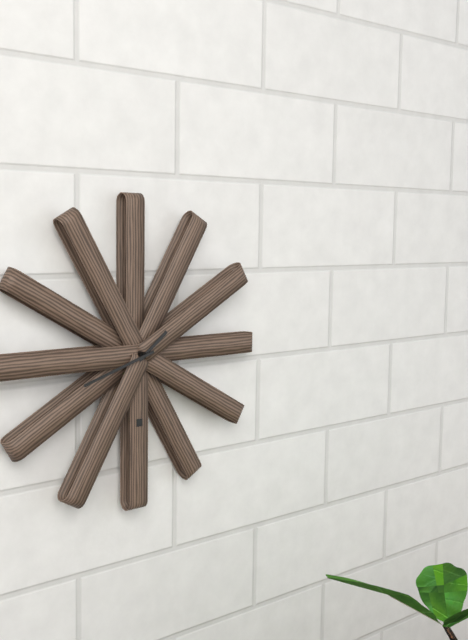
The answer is 1:42
